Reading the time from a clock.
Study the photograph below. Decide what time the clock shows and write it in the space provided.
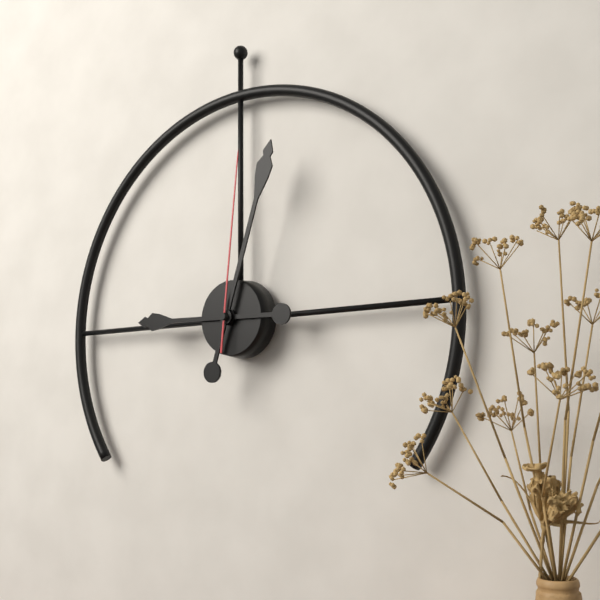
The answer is 9:03:01
